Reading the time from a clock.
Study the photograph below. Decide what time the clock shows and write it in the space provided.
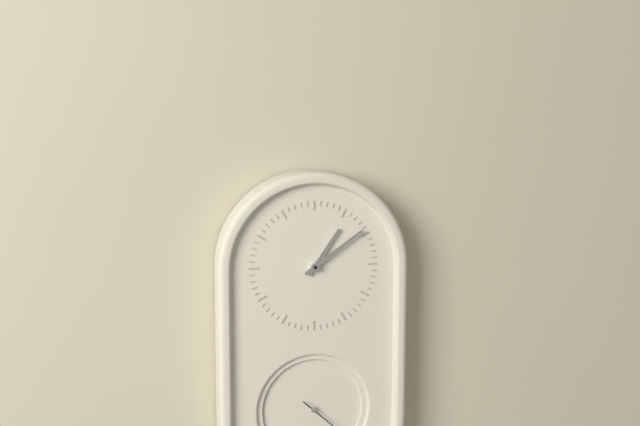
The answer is 1:09
